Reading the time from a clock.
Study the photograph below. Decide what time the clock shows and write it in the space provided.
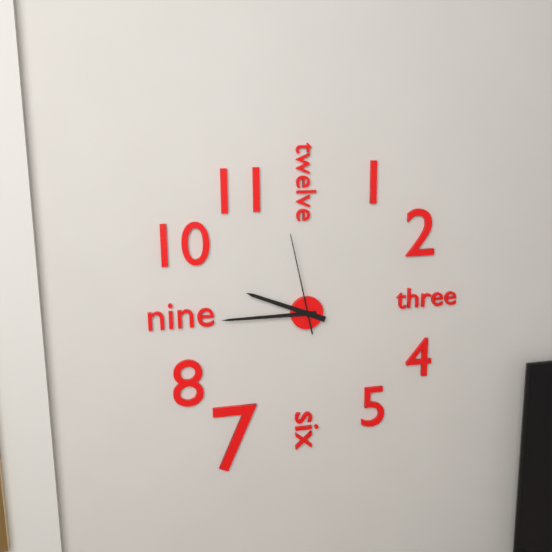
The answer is 9:45:58
